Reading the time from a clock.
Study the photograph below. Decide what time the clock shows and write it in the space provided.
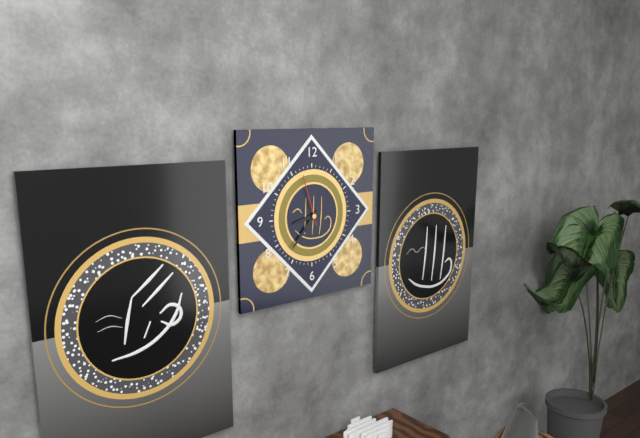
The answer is 8:37:57
